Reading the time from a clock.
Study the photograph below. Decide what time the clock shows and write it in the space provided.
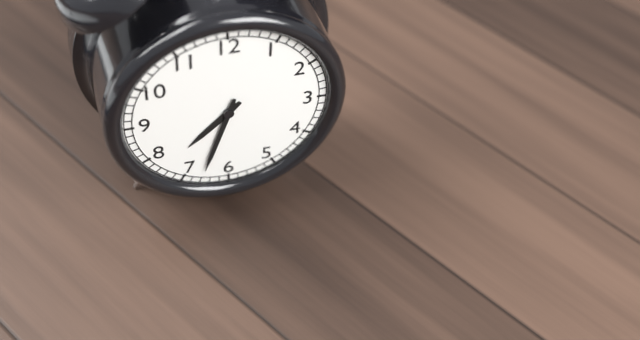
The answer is 7:33
